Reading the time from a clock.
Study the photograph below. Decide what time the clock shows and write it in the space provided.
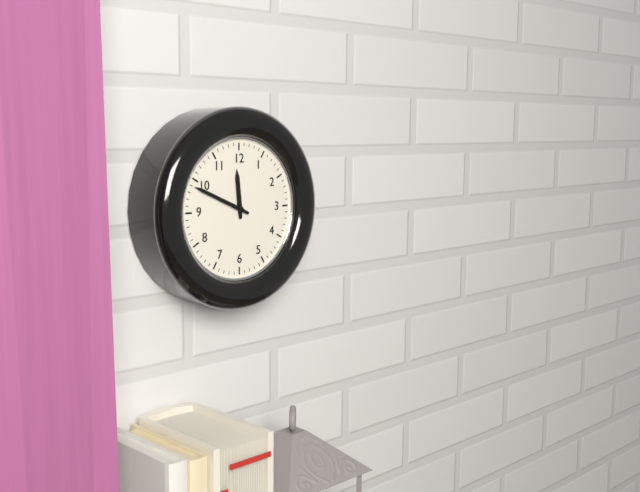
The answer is 11:49
